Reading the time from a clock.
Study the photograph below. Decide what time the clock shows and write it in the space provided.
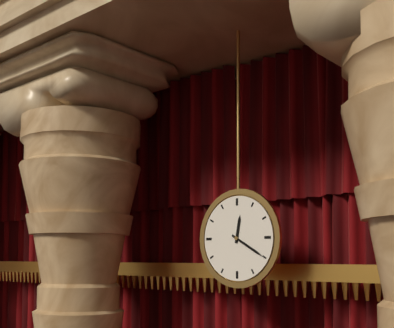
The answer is 12:20
